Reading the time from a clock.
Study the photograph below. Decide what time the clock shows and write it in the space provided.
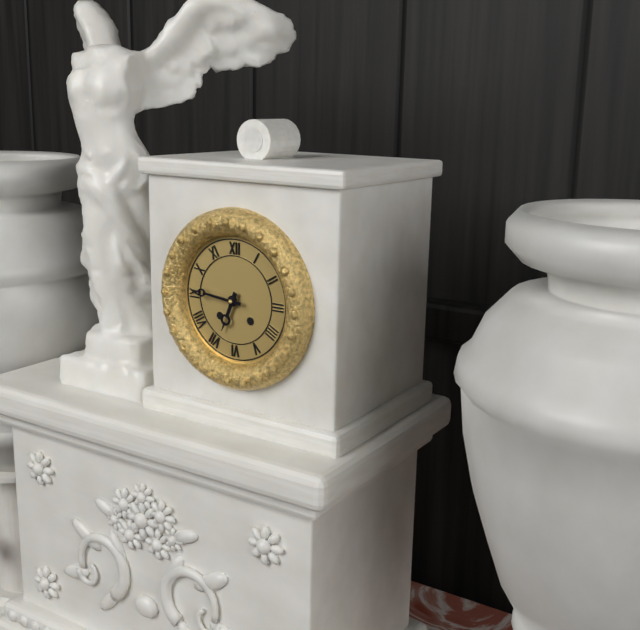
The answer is 6:46
